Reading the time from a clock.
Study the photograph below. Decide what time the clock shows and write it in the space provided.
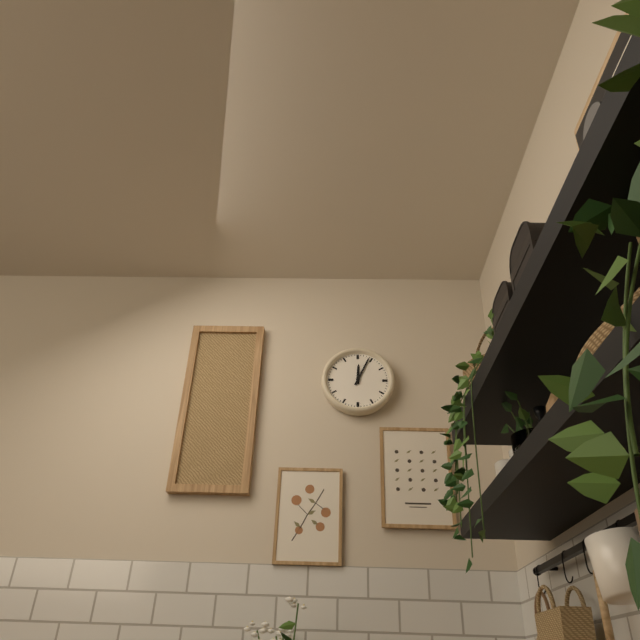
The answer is 12:04
